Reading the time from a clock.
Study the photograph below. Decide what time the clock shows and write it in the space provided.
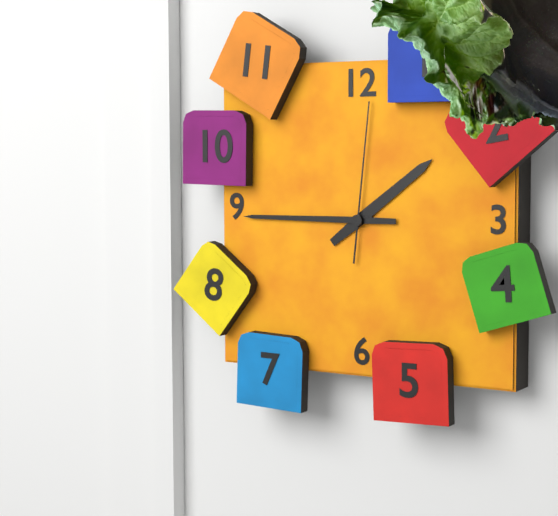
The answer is 1:45:01
